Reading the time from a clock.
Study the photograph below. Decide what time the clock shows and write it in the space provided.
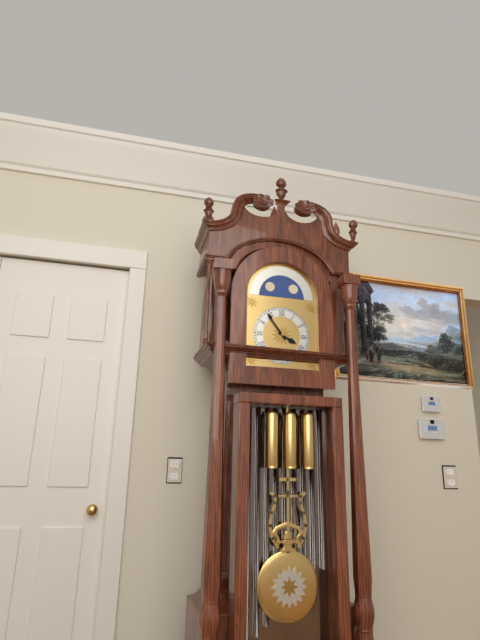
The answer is 3:54
